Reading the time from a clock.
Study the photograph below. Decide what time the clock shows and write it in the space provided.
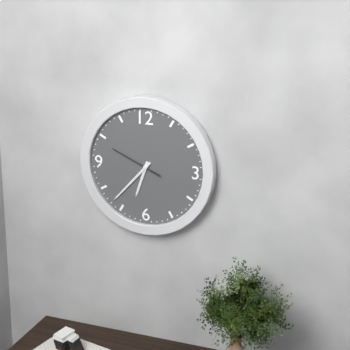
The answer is 6:37
